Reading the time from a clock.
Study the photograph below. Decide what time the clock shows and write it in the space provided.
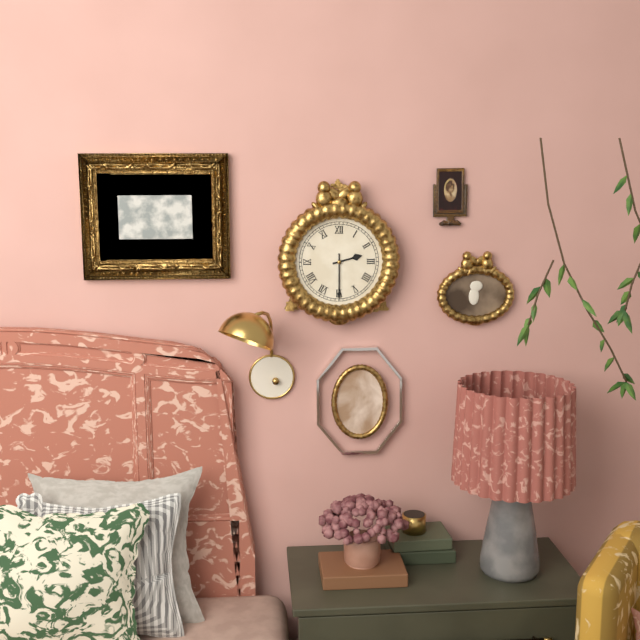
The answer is 2:30
